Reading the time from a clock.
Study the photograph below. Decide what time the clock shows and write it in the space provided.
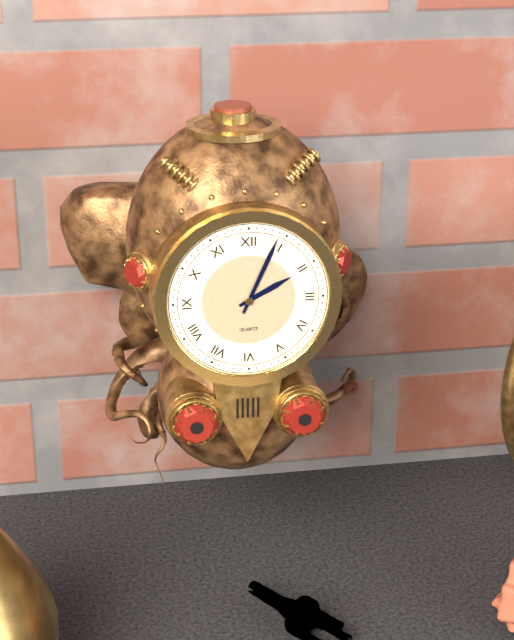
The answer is 2:04
